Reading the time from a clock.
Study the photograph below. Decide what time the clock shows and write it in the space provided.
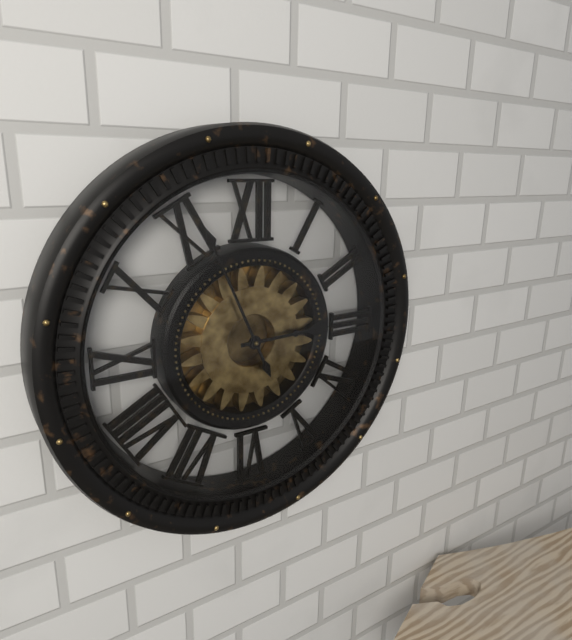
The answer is 2:56
